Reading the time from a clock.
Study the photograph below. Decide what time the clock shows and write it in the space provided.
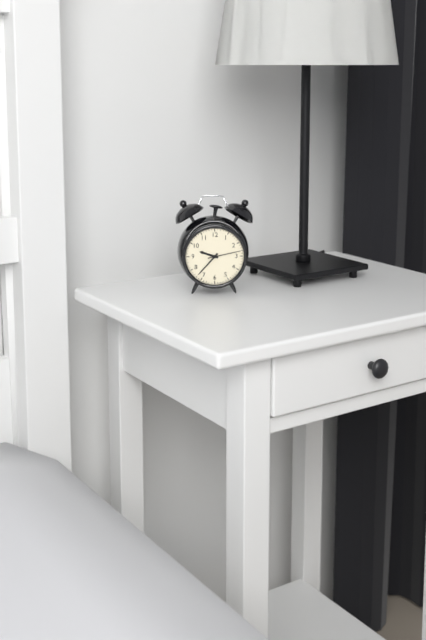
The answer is 9:37
